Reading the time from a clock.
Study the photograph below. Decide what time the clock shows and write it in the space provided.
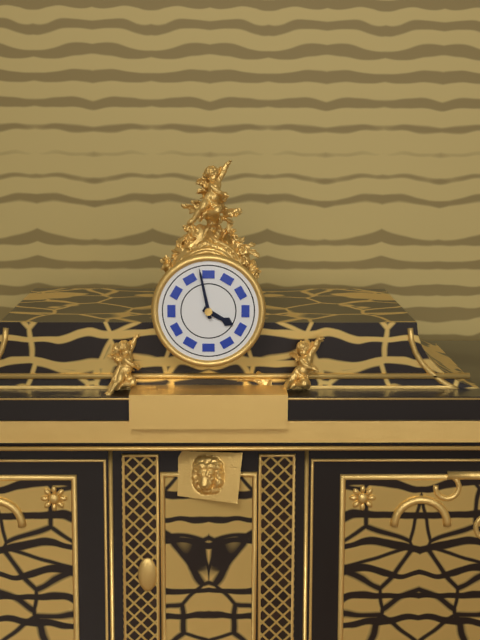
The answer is 3:58
